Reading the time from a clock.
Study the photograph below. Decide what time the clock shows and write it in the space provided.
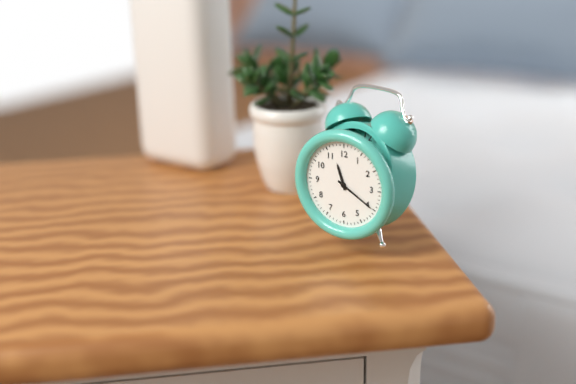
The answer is 11:20
